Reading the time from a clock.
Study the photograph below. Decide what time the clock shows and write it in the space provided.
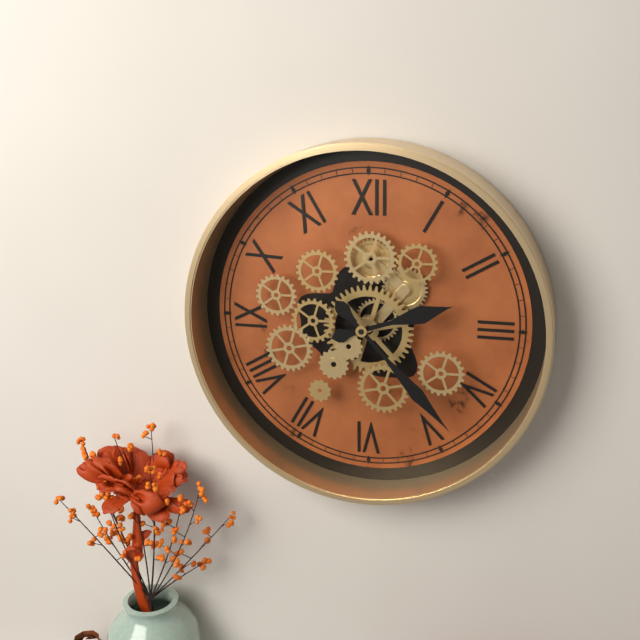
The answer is 2:23
